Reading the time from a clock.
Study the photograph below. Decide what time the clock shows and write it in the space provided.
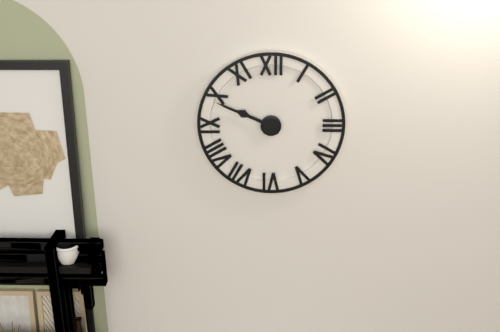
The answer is 9:49
